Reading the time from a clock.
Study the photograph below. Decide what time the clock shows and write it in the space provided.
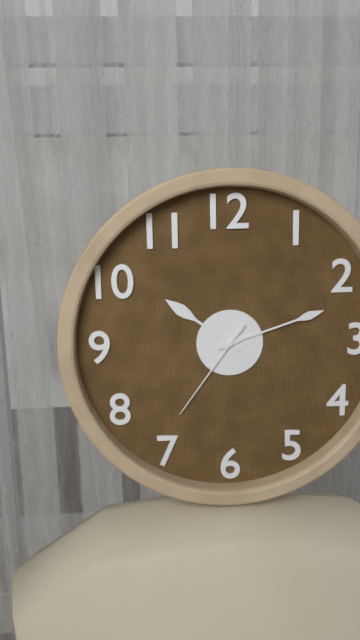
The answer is 10:12:36
